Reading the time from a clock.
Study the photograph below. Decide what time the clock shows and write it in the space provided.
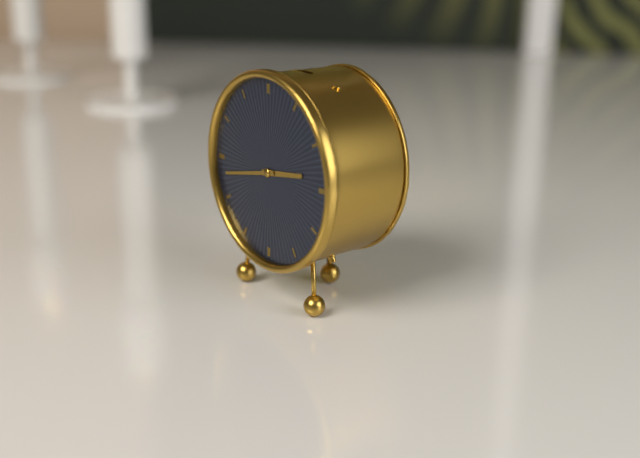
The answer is 2:43
